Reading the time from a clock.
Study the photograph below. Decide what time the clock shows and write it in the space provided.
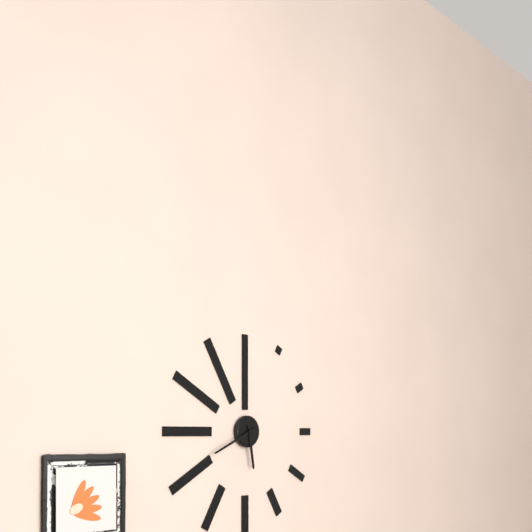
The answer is 5:41
